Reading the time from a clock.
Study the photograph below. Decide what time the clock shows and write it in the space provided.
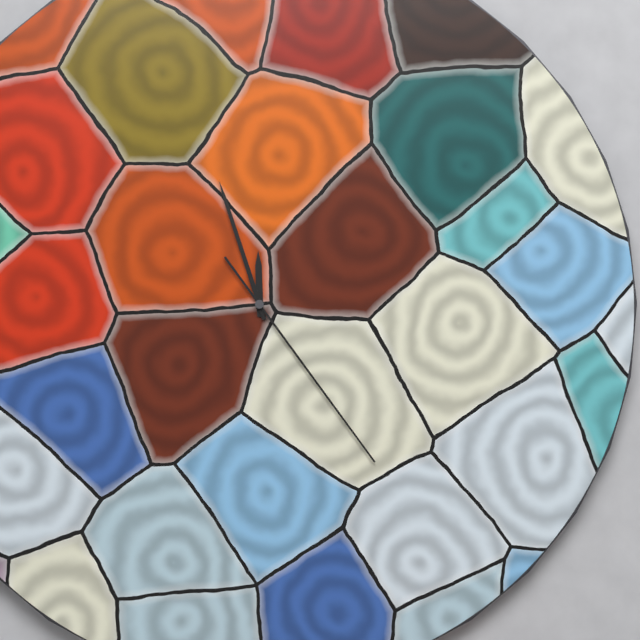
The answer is 11:57:24
